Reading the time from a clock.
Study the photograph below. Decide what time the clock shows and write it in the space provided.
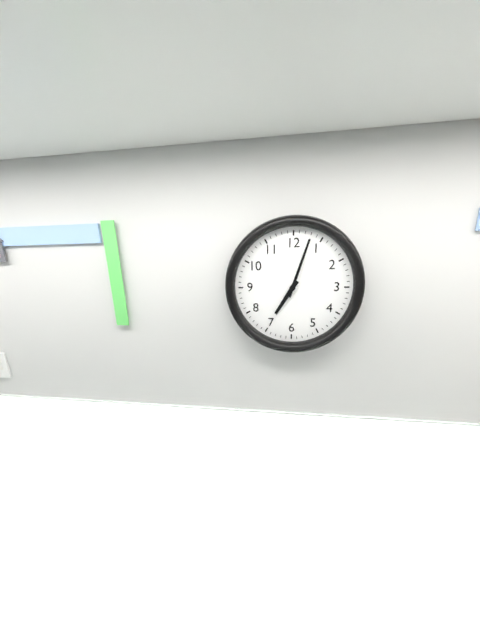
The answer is 7:03
